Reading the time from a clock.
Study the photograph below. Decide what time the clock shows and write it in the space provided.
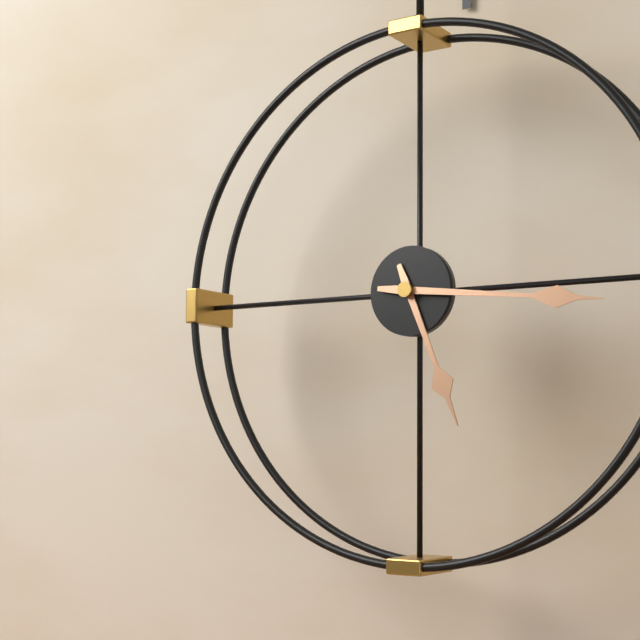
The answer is 5:16
